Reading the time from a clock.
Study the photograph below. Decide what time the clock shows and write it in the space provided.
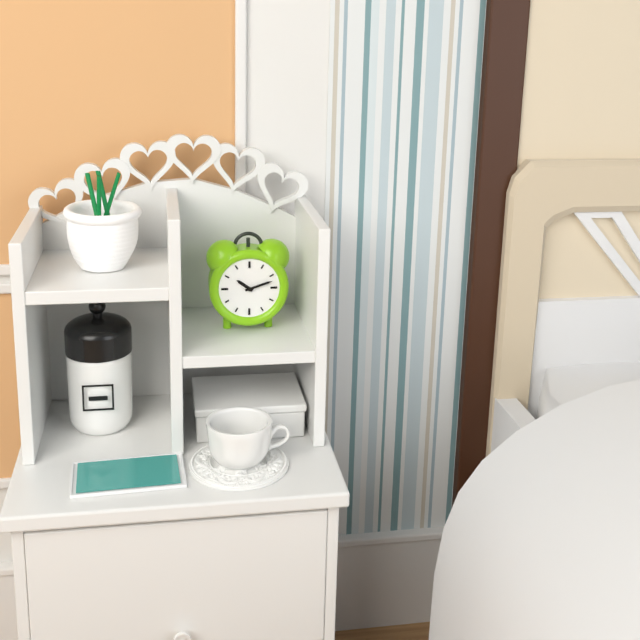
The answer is 10:12
